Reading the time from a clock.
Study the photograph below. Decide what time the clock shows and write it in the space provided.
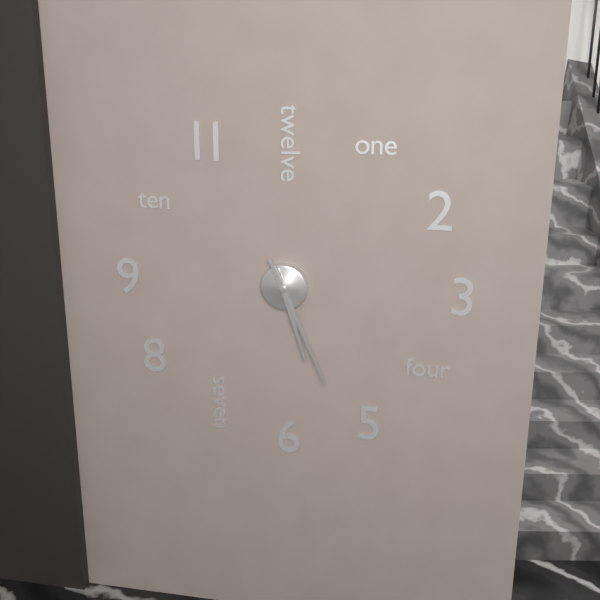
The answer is 5:26
